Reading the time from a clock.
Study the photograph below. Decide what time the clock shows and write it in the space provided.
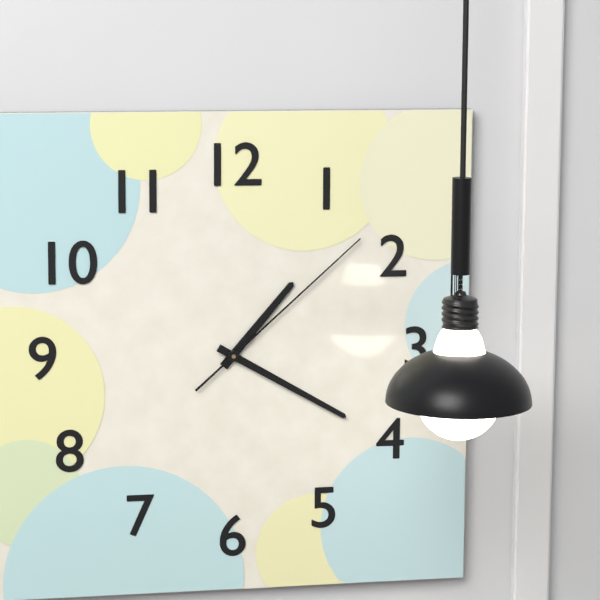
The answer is 1:20:08
